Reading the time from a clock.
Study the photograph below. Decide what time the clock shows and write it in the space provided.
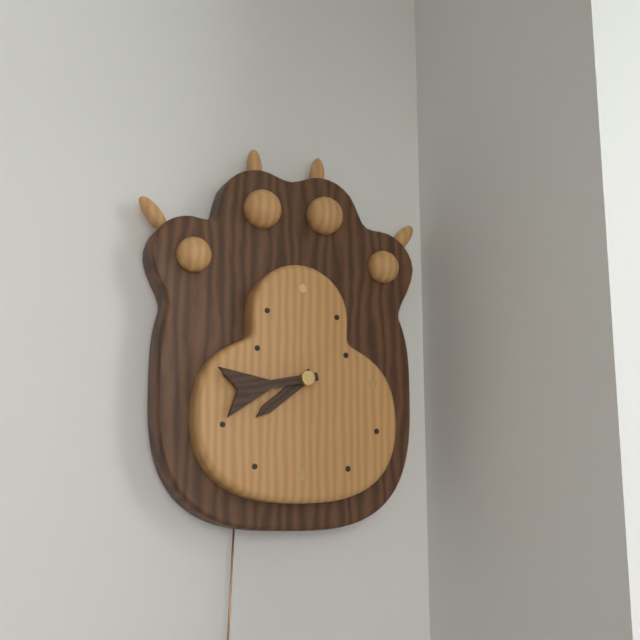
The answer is 7:43
